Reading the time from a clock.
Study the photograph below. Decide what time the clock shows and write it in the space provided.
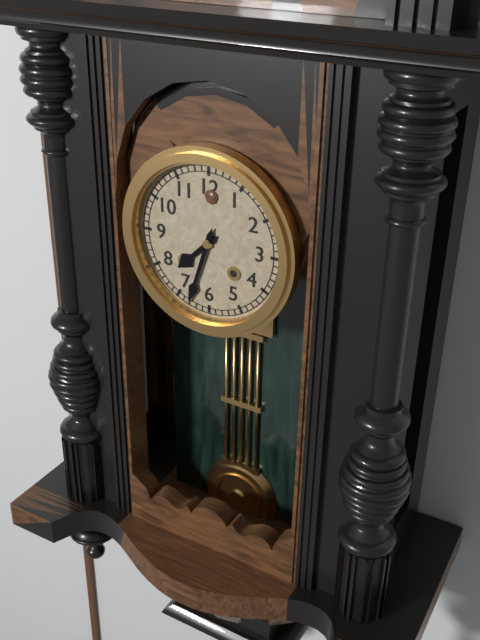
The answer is 7:33
